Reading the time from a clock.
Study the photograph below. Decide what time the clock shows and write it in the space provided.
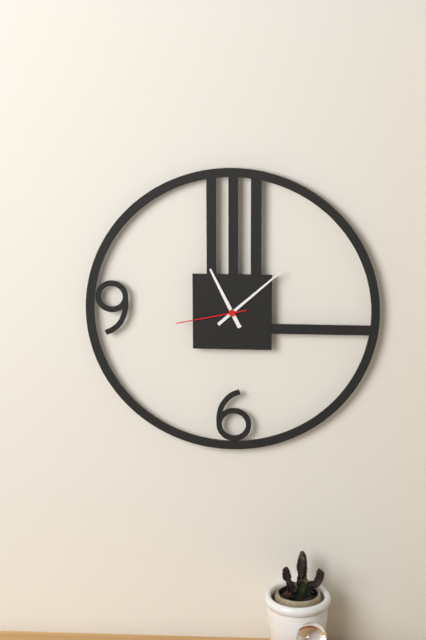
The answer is 11:08:43
